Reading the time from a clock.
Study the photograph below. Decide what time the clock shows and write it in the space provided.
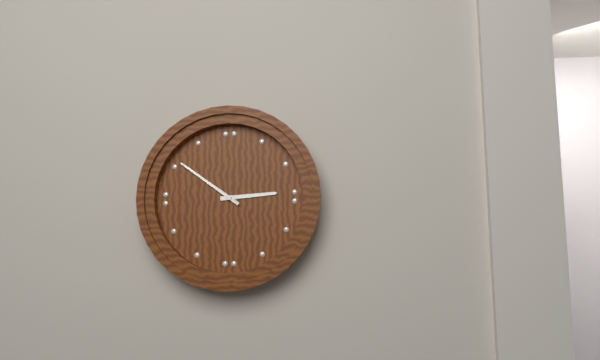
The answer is 2:51
